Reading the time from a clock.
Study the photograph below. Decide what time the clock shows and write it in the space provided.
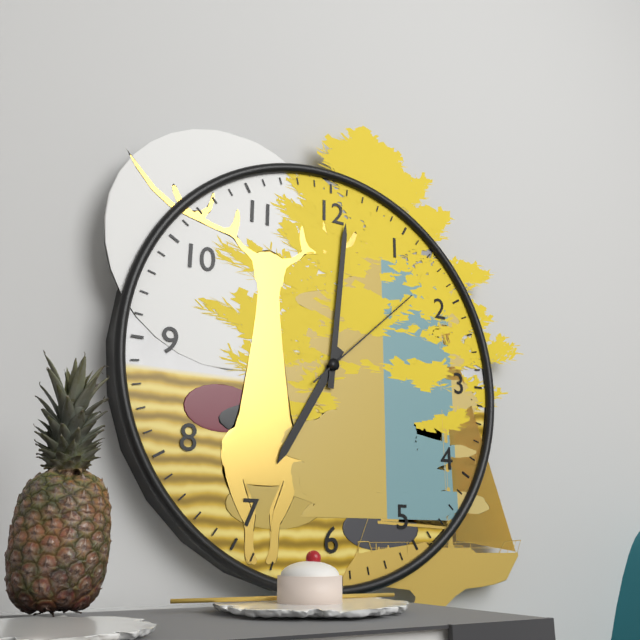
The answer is 7:01:08
